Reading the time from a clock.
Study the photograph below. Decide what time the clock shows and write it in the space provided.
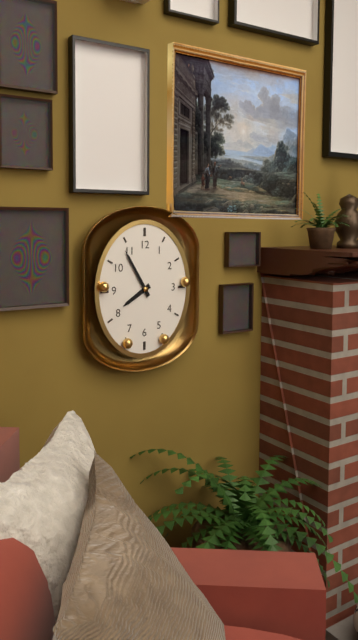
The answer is 7:55
